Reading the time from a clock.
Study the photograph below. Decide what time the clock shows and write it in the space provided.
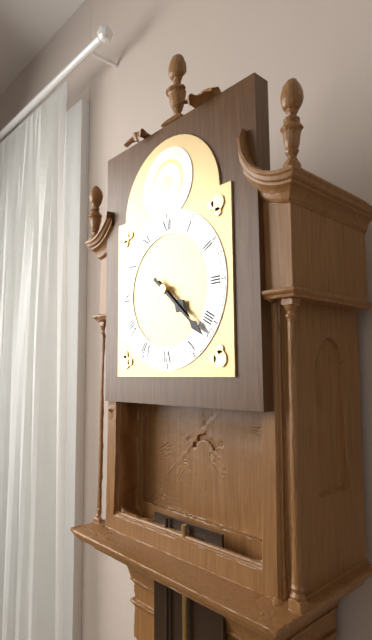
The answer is 4:22
